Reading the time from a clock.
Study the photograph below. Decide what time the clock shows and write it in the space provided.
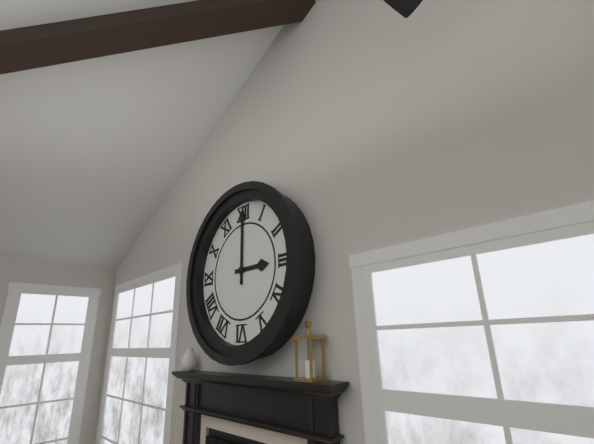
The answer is 3:00
